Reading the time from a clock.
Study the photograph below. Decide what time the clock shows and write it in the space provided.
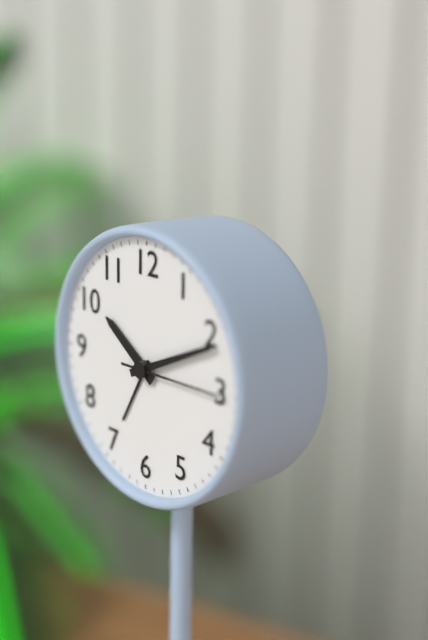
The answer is 10:11:15
